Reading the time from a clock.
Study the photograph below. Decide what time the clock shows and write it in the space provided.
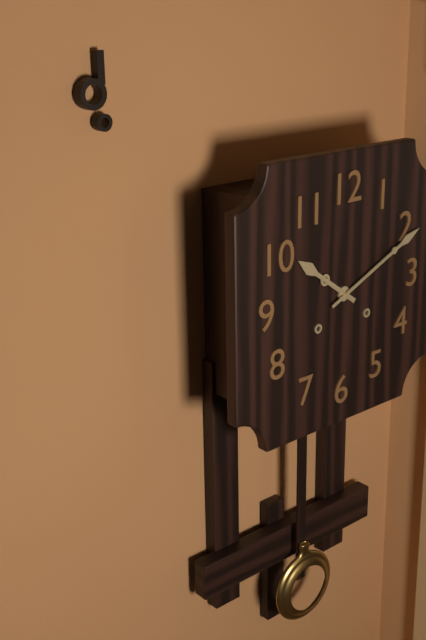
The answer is 10:11
